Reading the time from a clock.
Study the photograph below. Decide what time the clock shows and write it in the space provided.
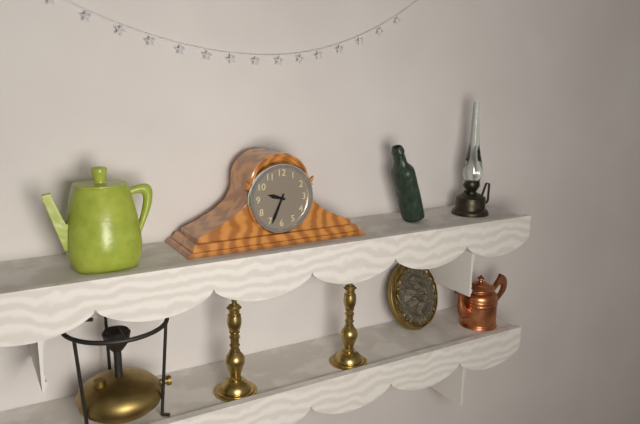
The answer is 9:34
